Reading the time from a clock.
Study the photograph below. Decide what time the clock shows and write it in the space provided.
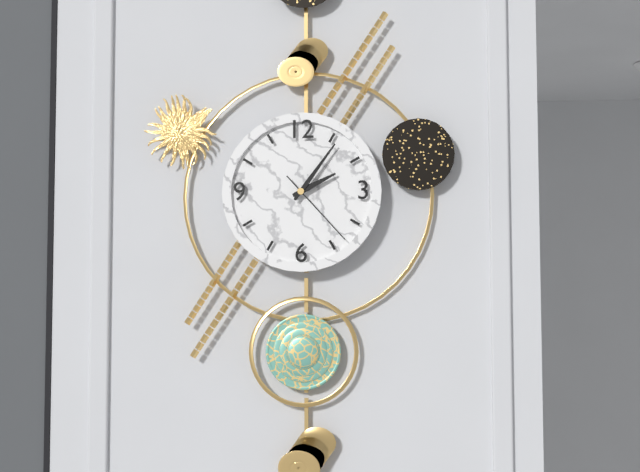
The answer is 2:06:23
